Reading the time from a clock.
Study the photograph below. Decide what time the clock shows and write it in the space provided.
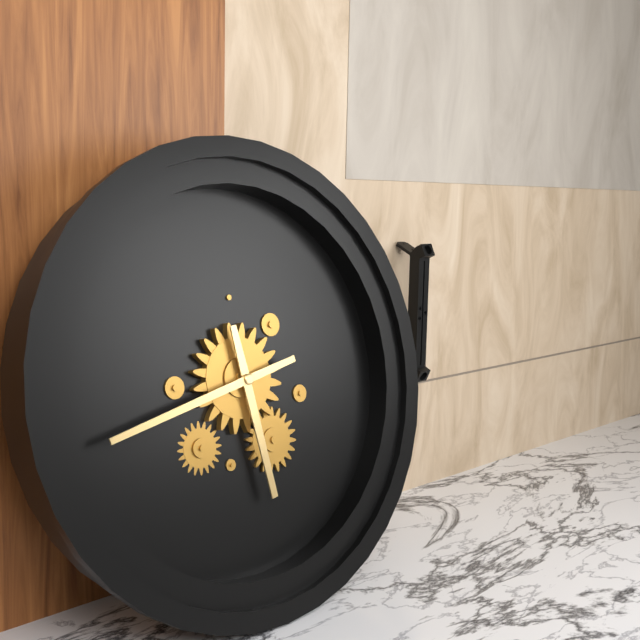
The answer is 5:43
